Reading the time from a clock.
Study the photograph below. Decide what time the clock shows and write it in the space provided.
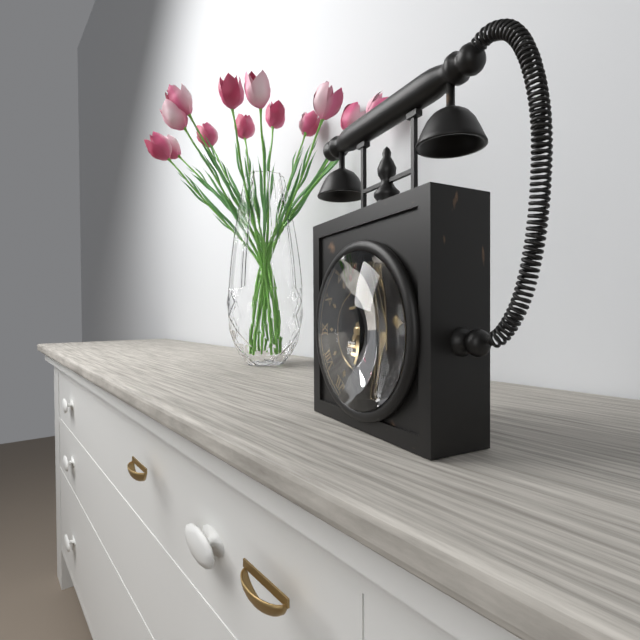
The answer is 6:05
